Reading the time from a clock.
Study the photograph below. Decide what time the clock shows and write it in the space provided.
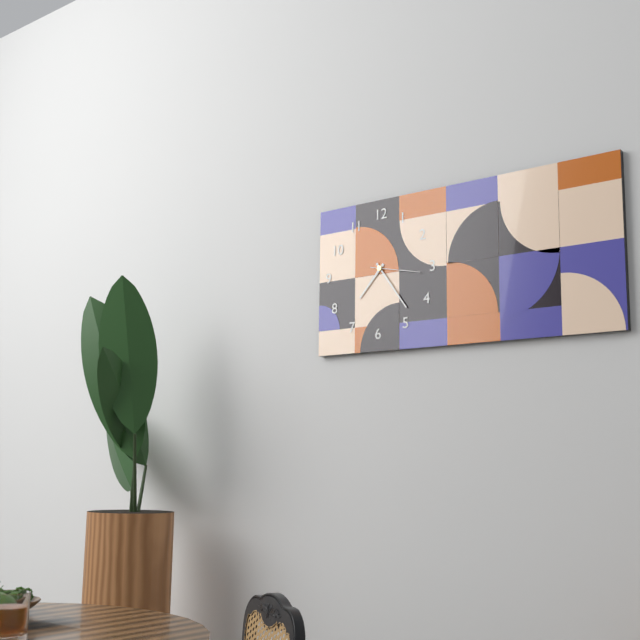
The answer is 7:24:17
